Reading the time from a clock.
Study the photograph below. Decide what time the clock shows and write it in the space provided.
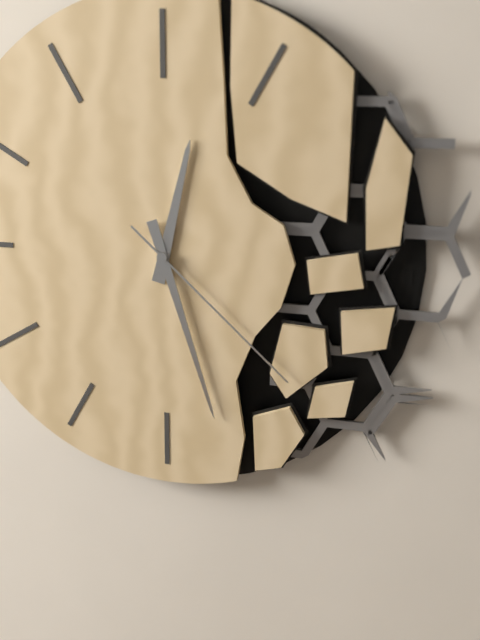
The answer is 12:27:22
